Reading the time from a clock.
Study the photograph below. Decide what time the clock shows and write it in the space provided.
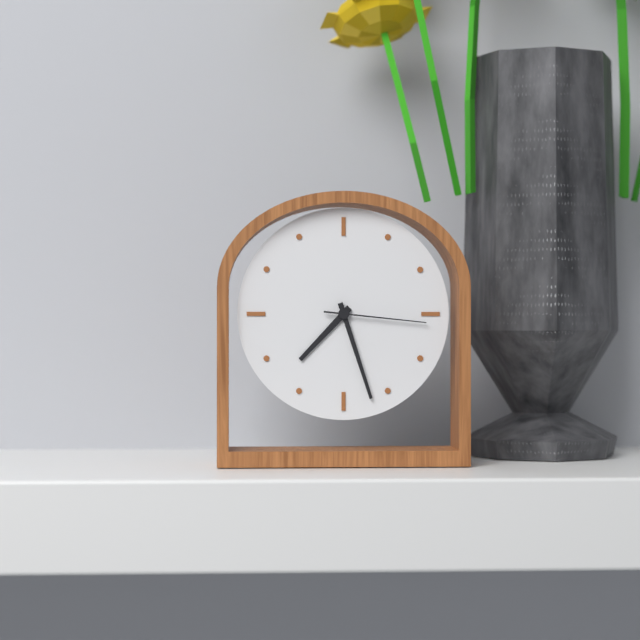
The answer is 7:27:16
